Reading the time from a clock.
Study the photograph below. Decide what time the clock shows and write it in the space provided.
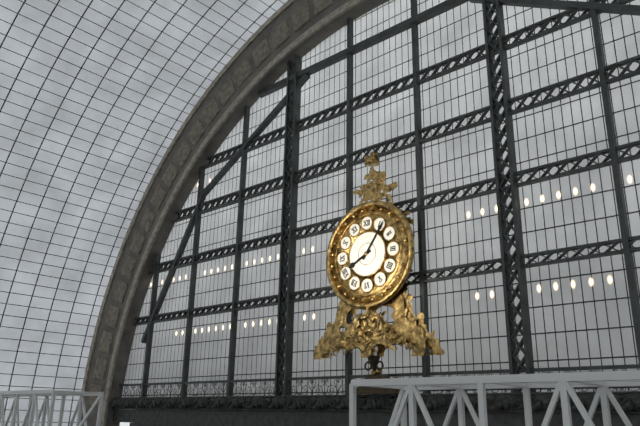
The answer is 8:06
